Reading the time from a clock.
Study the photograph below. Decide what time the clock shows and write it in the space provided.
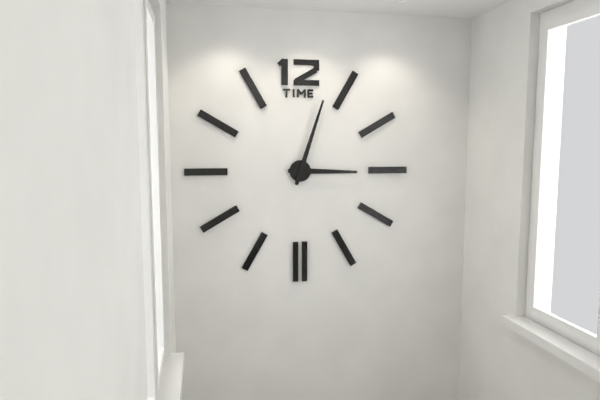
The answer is 3:03
